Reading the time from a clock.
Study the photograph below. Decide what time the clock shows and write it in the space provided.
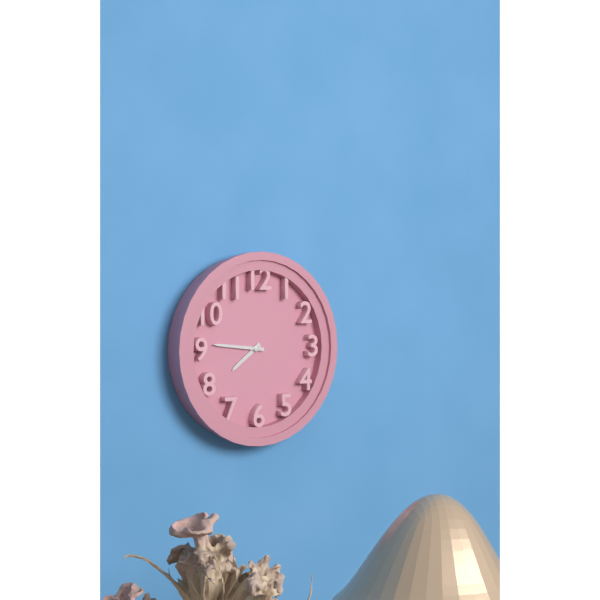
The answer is 7:46
